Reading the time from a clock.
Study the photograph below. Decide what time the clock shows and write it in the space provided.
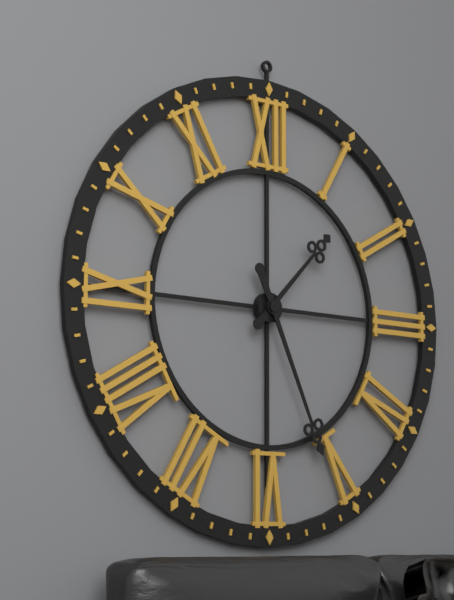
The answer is 1:26
